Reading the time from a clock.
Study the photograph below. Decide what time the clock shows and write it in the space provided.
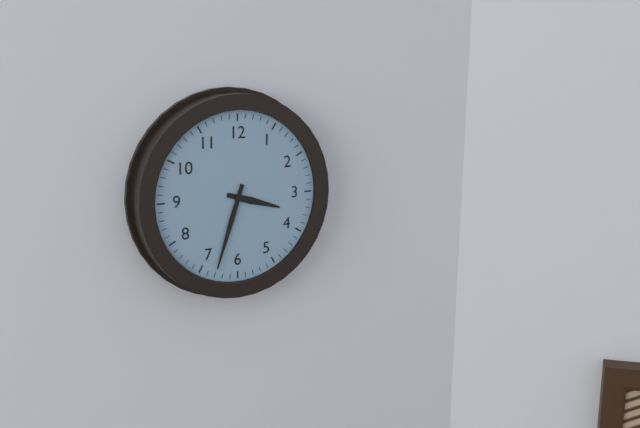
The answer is 3:33
